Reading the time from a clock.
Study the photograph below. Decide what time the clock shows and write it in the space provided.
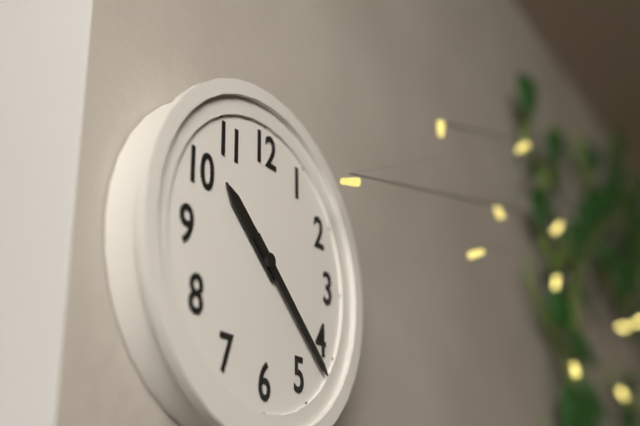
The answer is 10:22
